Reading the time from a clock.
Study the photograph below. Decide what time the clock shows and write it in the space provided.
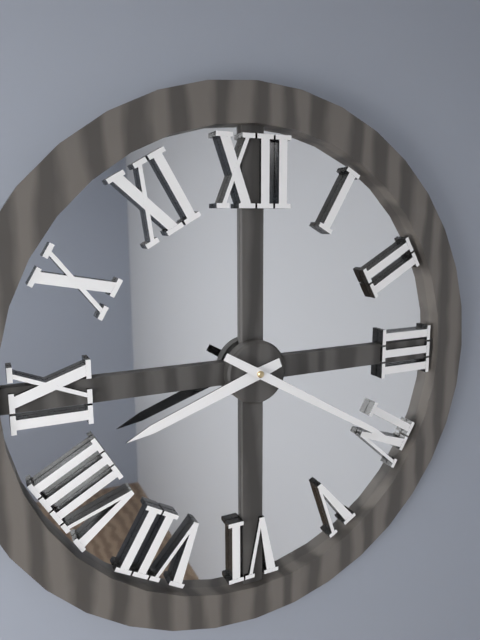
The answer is 8:20
